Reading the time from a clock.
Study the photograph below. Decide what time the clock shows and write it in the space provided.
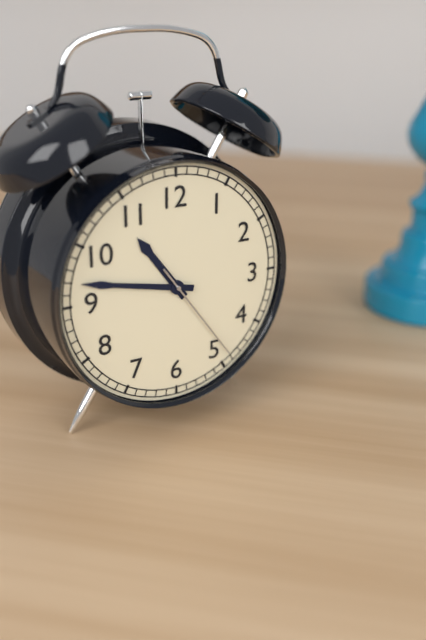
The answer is 10:47:24
